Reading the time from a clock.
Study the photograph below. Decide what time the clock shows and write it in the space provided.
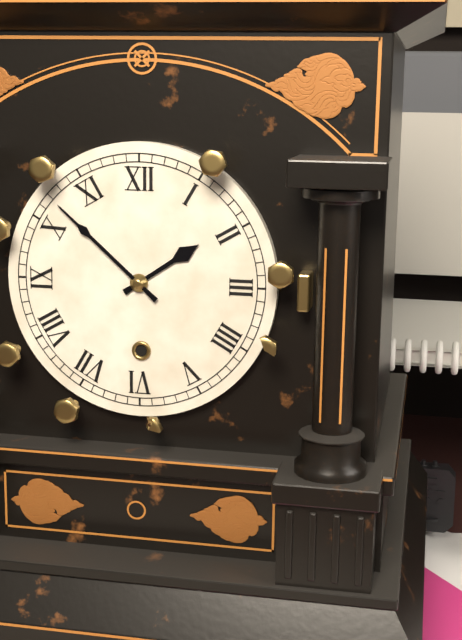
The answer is 1:52
